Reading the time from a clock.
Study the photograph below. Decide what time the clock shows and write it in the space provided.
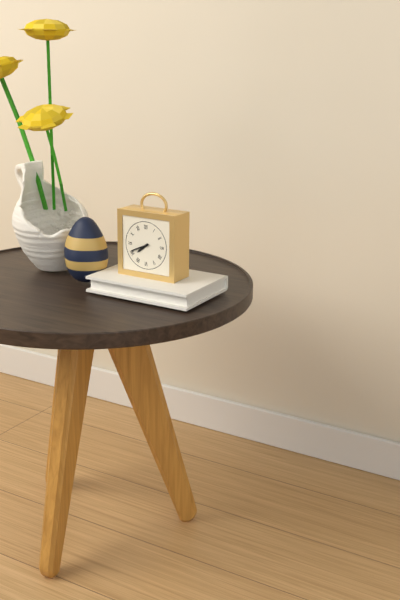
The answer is 7:41
